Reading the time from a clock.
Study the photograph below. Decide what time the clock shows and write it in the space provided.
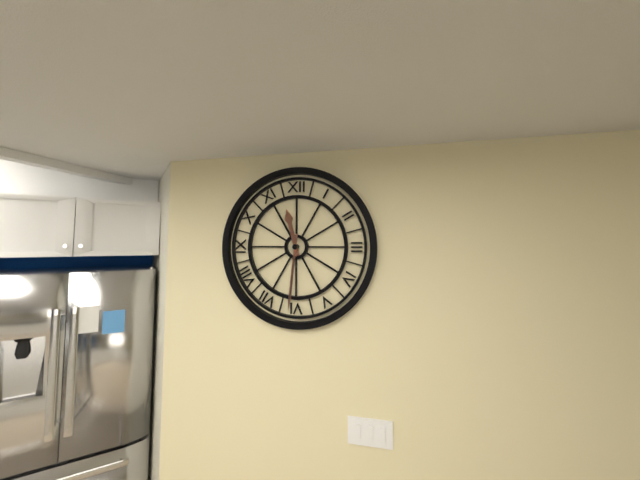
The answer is 11:31
